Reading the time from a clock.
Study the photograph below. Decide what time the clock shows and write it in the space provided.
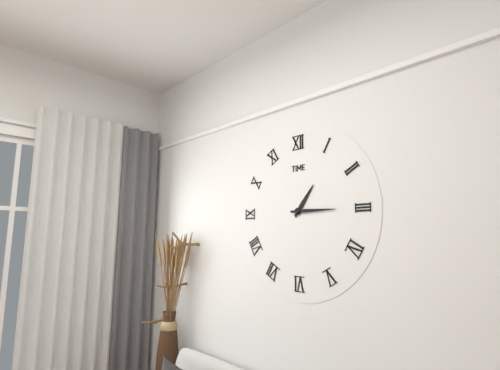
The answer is 1:15
